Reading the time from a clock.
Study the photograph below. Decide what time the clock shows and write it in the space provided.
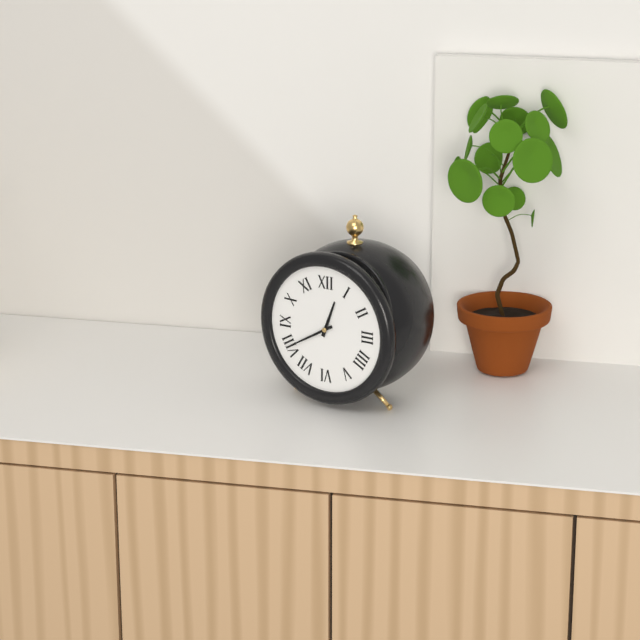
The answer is 12:40
